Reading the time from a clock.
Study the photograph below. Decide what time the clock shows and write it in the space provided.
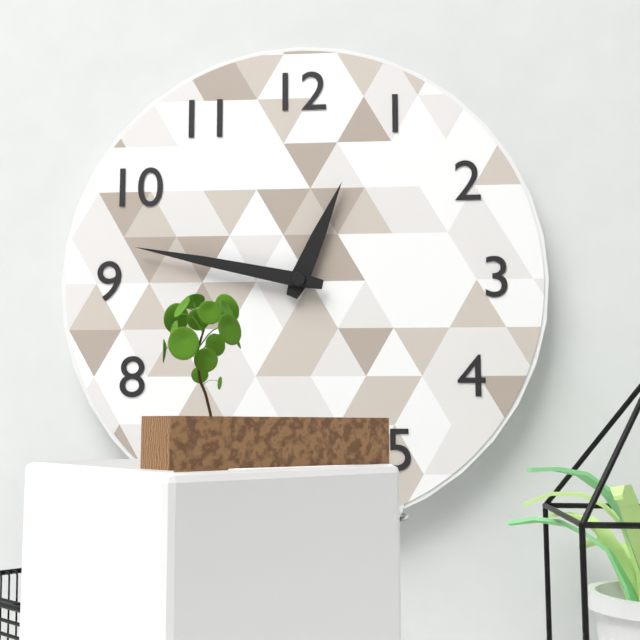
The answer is 12:47
